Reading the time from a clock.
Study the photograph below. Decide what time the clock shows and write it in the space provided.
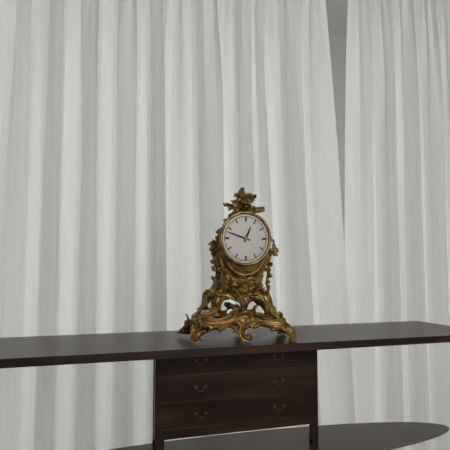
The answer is 12:48
